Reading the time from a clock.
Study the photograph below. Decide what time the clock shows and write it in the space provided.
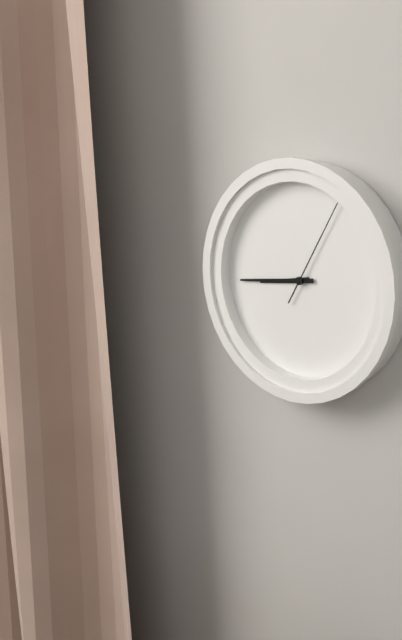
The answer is 8:44:05
